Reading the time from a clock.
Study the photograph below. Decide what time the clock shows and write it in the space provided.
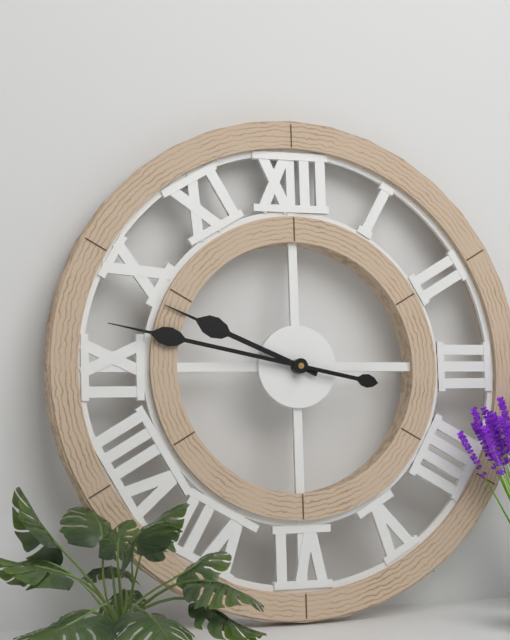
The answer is 9:47
